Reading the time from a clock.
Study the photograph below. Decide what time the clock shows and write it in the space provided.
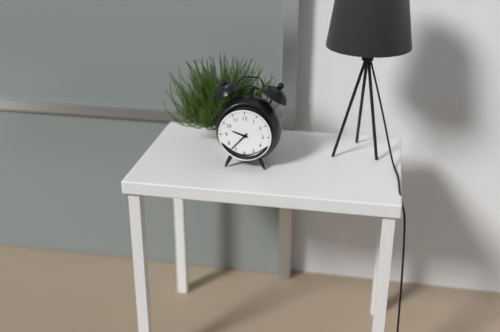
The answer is 9:37
